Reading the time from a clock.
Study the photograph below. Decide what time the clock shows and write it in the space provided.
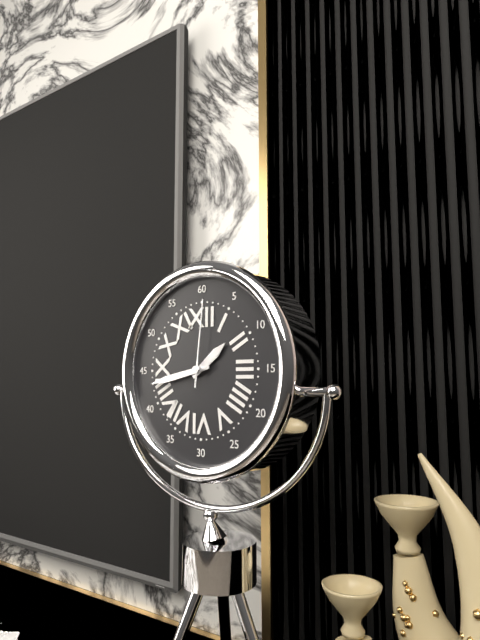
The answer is 1:43:01
